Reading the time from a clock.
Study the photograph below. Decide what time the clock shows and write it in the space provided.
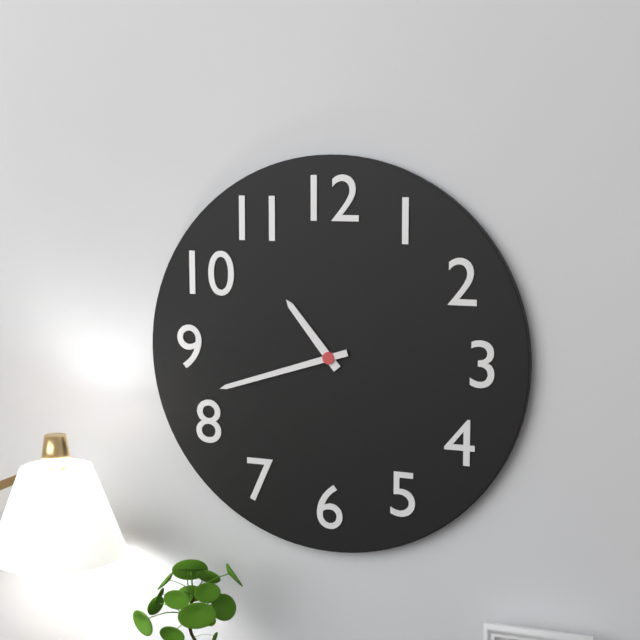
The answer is 10:42
